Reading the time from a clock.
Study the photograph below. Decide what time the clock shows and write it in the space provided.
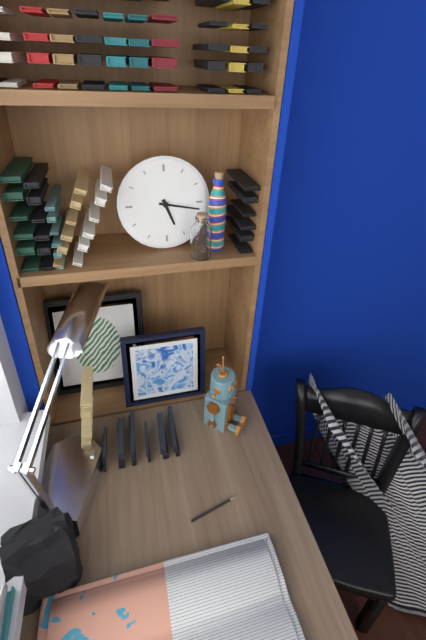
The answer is 5:17
